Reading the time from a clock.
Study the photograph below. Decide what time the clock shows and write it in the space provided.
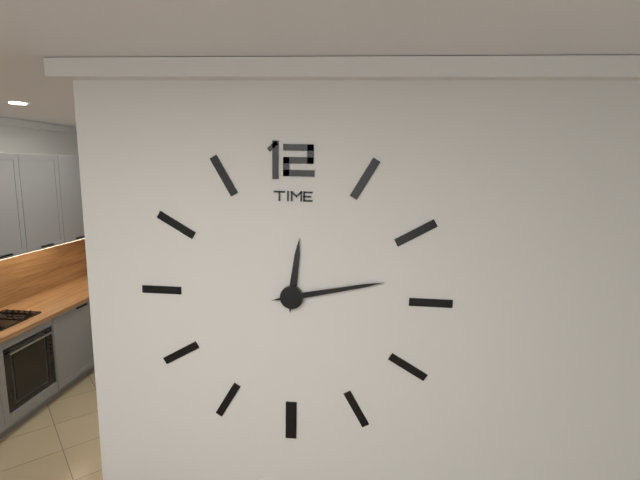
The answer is 12:13
